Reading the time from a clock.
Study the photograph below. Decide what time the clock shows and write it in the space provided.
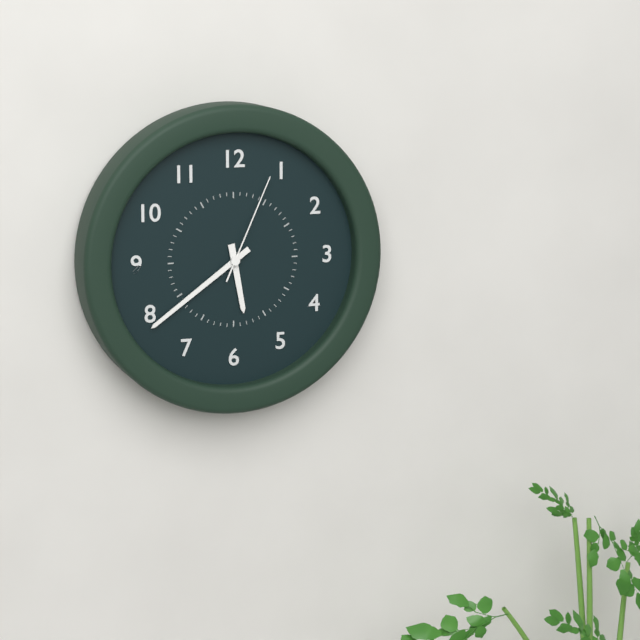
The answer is 5:39:04
